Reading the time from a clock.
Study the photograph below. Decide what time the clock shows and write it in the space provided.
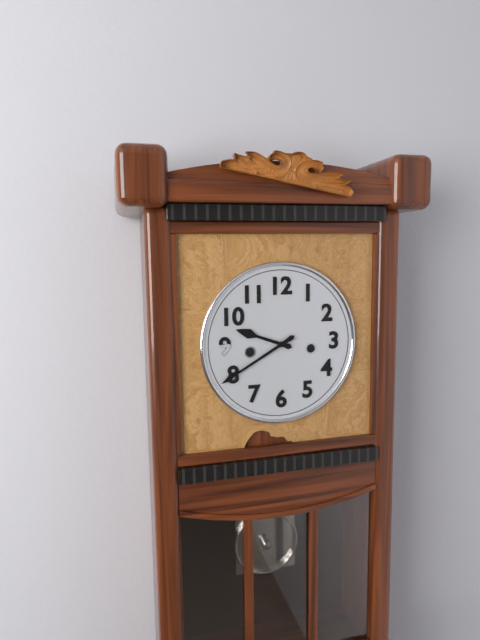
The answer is 9:40
